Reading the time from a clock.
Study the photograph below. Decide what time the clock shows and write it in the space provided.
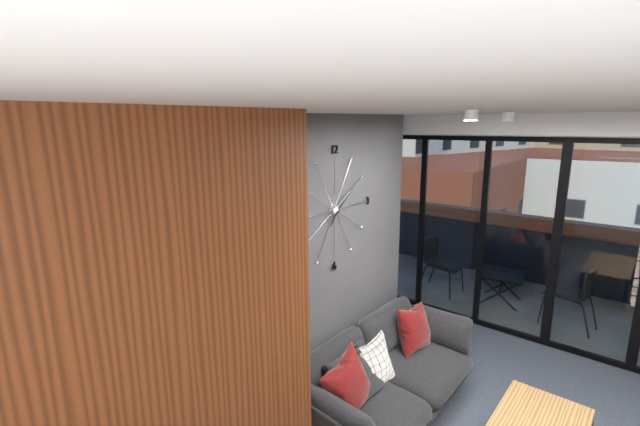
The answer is 7:09
